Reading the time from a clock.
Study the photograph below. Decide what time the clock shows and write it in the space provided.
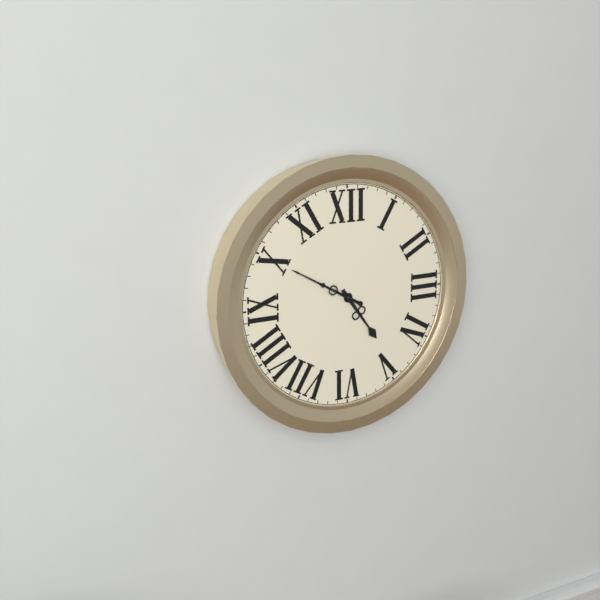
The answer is 4:50
